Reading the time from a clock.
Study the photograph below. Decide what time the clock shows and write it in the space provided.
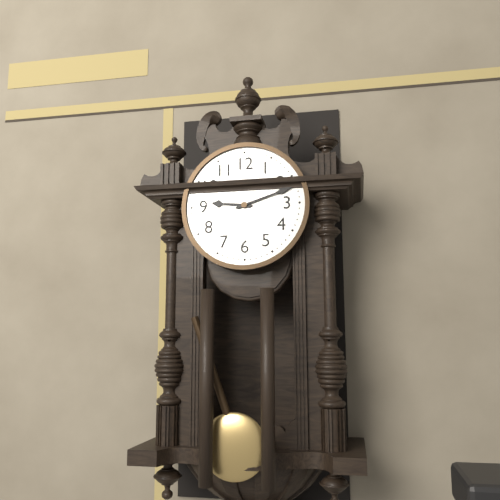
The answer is 9:12
